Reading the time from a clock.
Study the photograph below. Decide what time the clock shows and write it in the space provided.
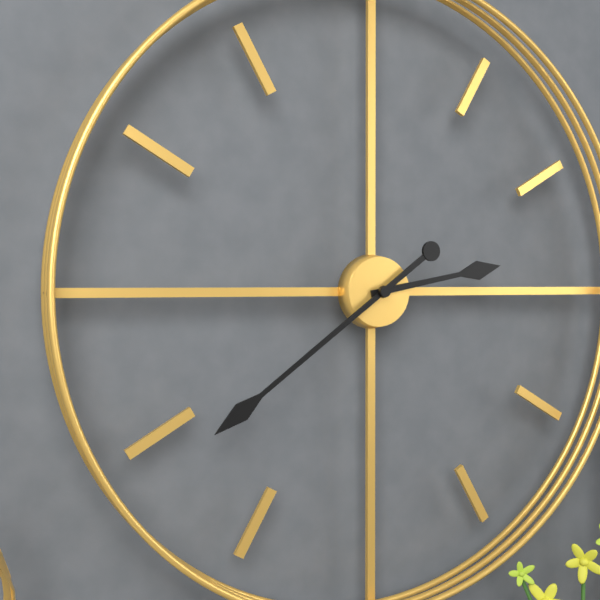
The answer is 2:39
